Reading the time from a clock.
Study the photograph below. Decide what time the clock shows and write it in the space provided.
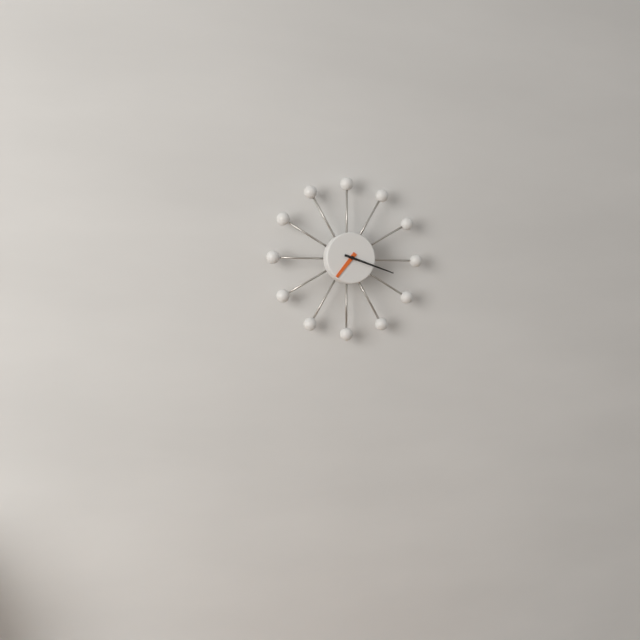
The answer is 7:18
